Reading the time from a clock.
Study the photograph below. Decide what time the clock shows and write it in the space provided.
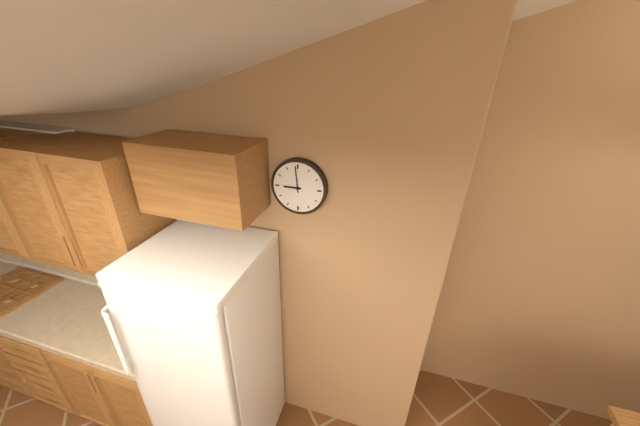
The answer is 8:59
